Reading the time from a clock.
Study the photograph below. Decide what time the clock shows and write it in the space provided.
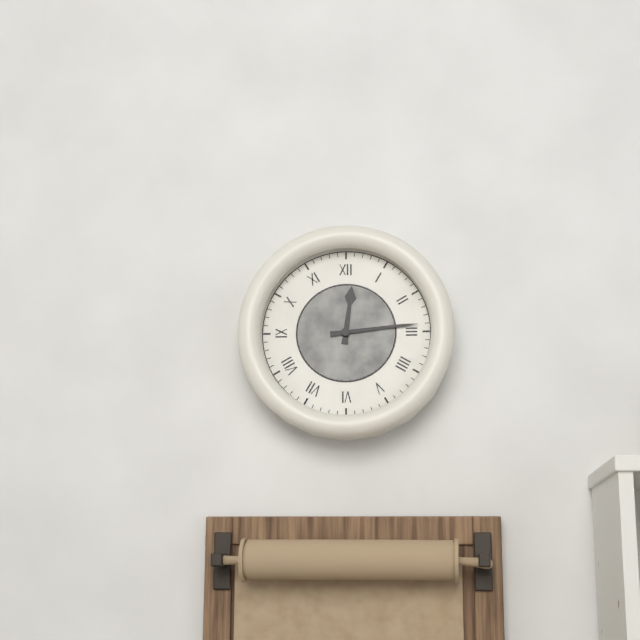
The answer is 12:14
